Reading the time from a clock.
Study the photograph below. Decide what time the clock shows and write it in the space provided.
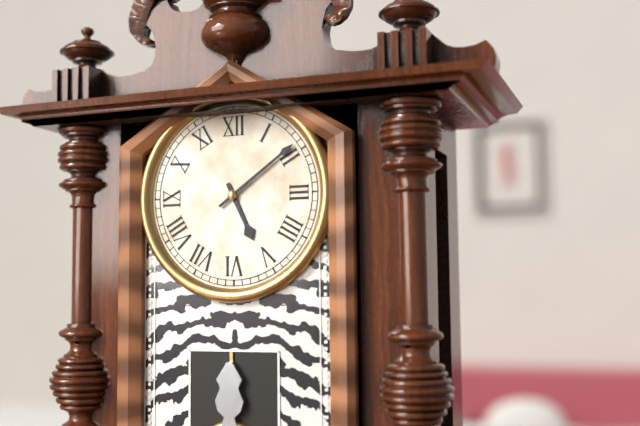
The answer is 5:09
